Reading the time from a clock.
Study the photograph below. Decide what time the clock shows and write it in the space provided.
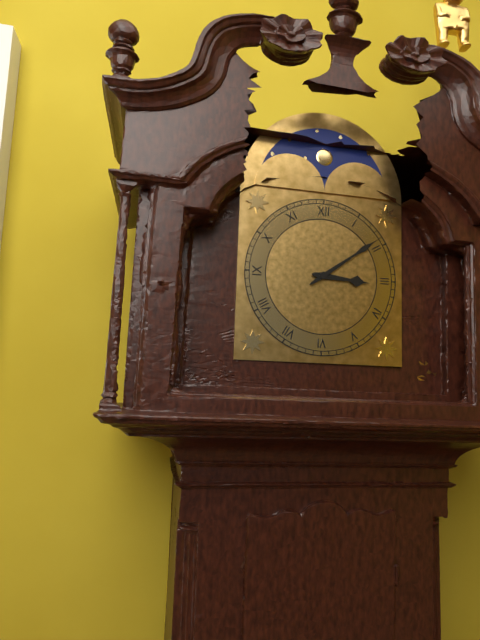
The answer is 3:09
